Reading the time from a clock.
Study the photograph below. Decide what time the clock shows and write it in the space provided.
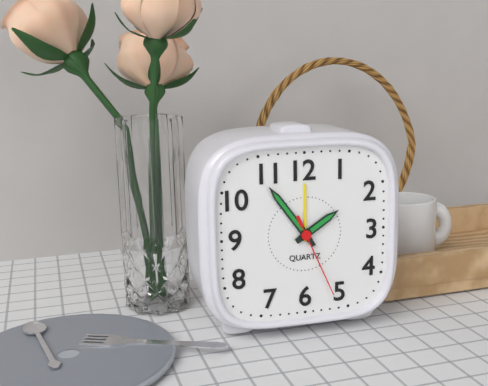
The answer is 1:54:26
